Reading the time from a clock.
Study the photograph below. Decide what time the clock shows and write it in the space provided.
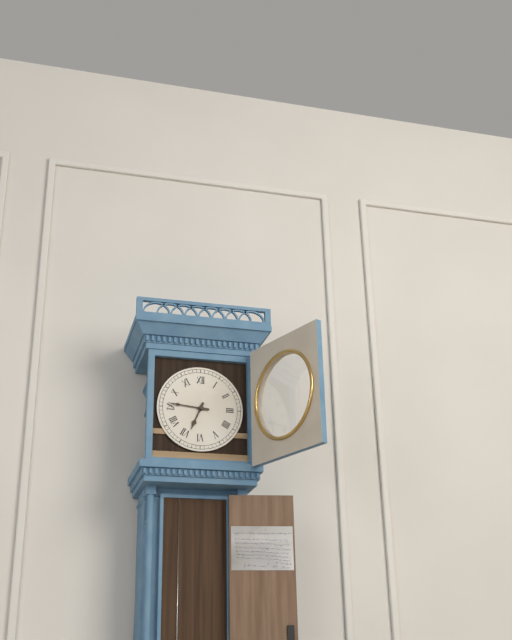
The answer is 6:46
